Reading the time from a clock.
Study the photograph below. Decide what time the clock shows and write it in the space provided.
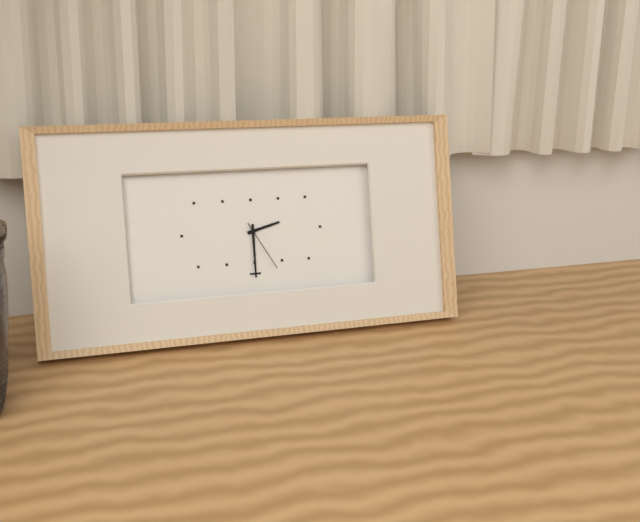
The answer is 2:30:25
